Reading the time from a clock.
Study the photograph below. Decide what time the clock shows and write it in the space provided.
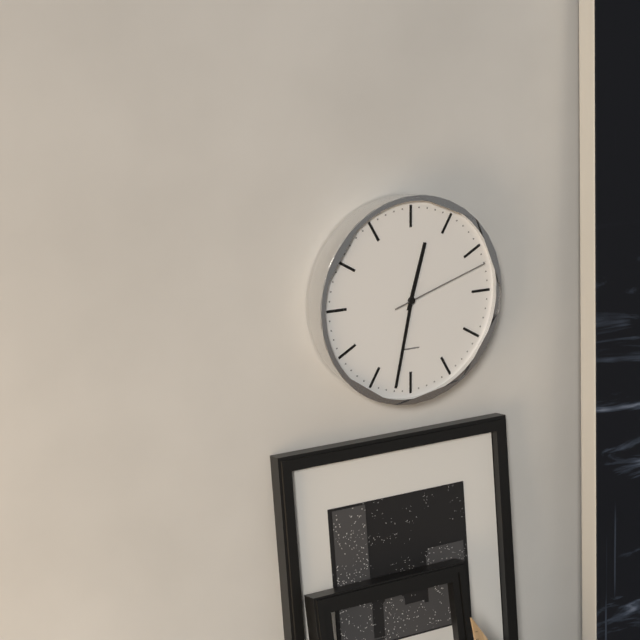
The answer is 12:32:12
